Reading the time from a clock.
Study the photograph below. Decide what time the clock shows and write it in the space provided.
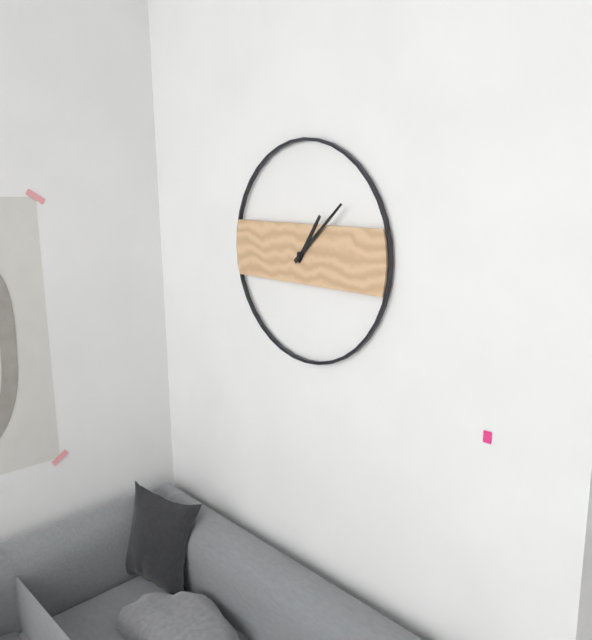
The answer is 1:08
